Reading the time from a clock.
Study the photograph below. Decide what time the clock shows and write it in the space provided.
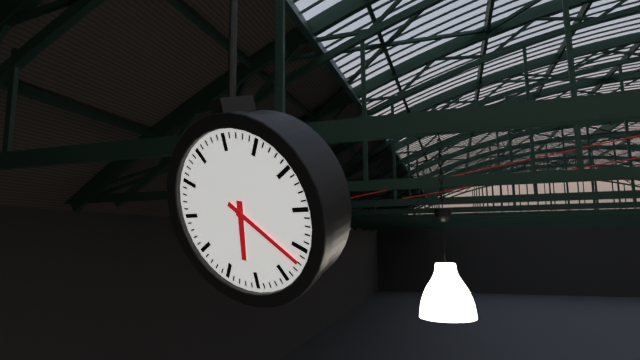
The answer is 6:22
